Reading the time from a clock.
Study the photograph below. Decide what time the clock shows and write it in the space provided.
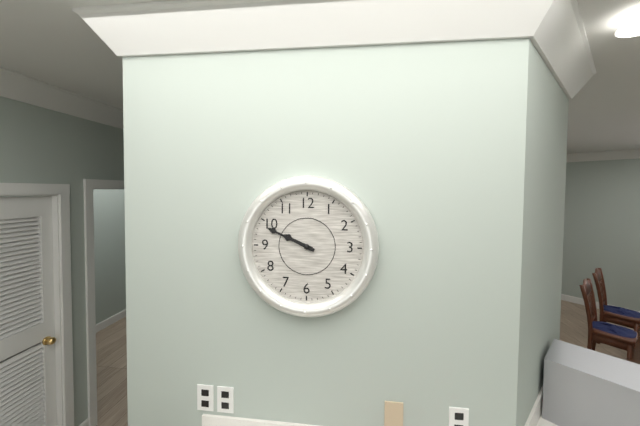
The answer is 9:49
